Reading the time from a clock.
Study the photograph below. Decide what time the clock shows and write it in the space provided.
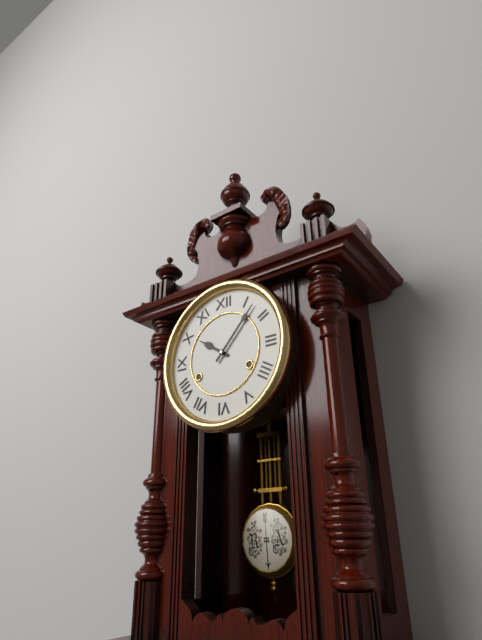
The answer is 10:07
